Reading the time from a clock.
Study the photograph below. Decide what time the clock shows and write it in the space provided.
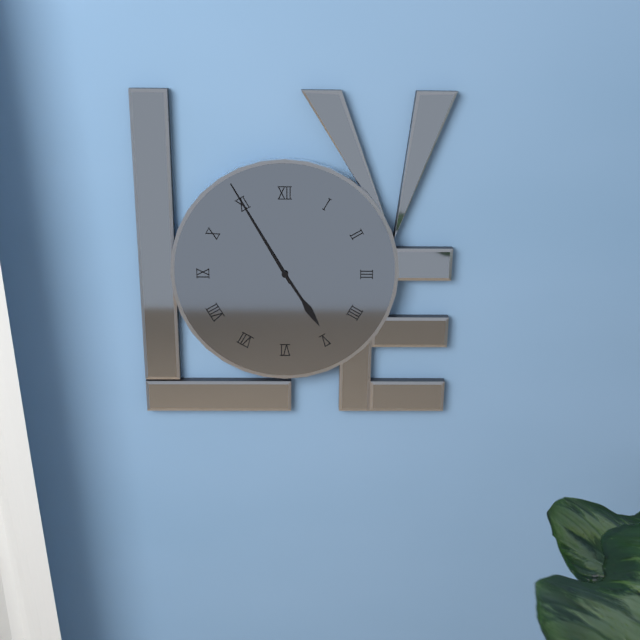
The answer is 4:55
